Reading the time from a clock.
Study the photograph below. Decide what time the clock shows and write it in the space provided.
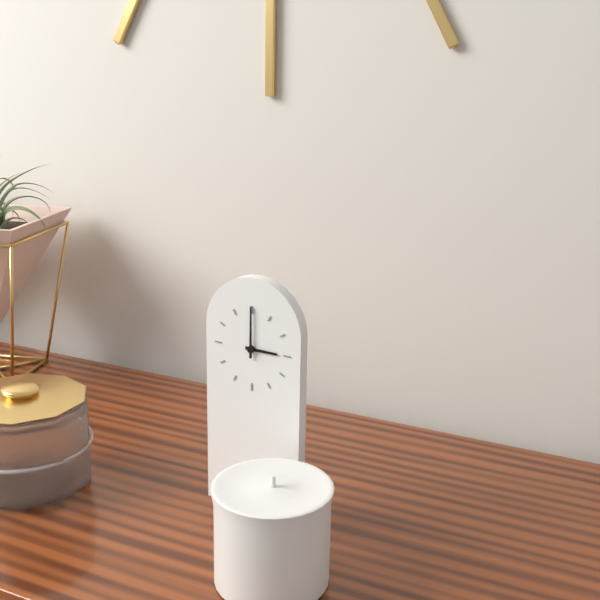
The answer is 3:00
